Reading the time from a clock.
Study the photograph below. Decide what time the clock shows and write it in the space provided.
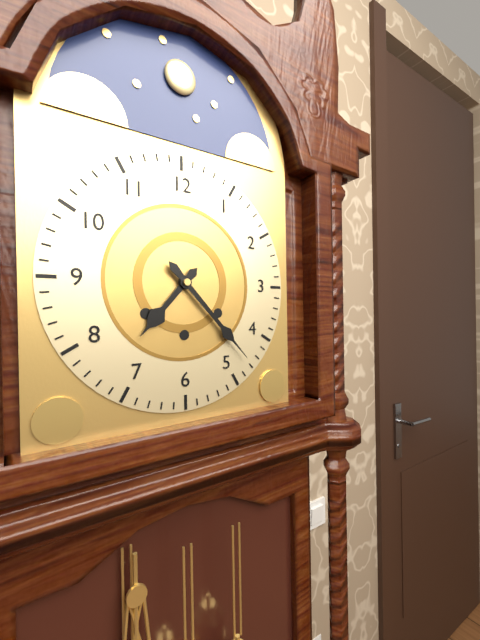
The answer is 7:23
